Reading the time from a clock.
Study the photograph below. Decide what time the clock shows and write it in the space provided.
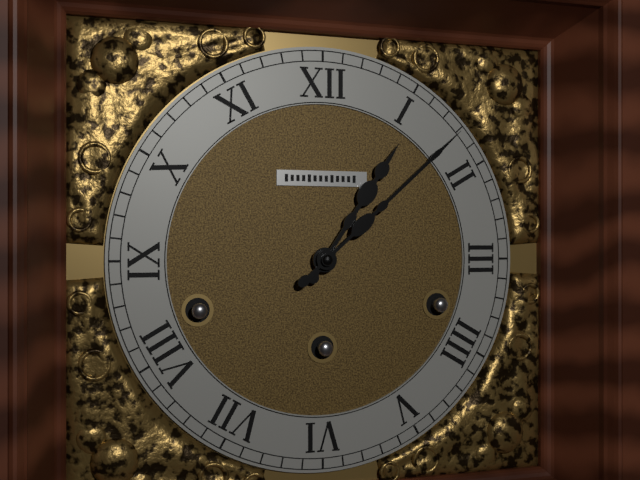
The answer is 1:08
